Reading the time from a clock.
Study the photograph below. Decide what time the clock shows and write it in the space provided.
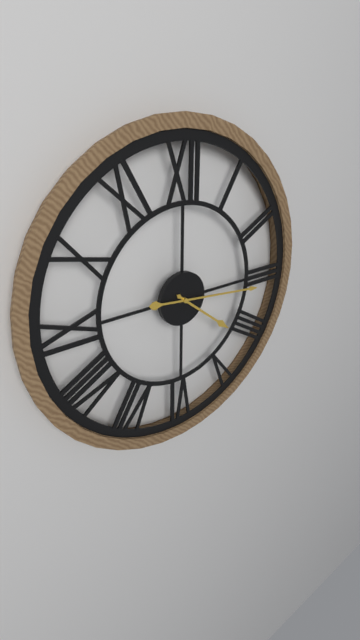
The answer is 4:16
